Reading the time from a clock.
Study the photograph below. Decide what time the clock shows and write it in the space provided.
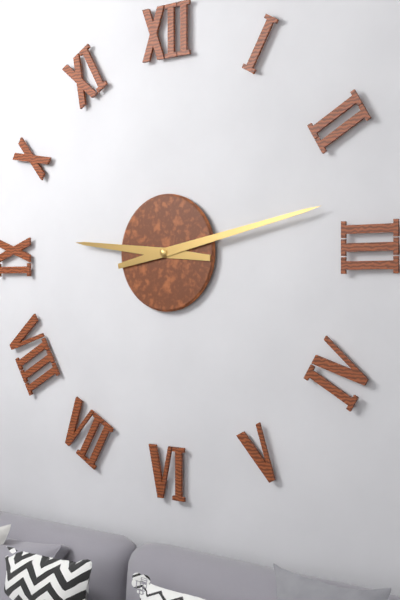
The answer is 9:13
